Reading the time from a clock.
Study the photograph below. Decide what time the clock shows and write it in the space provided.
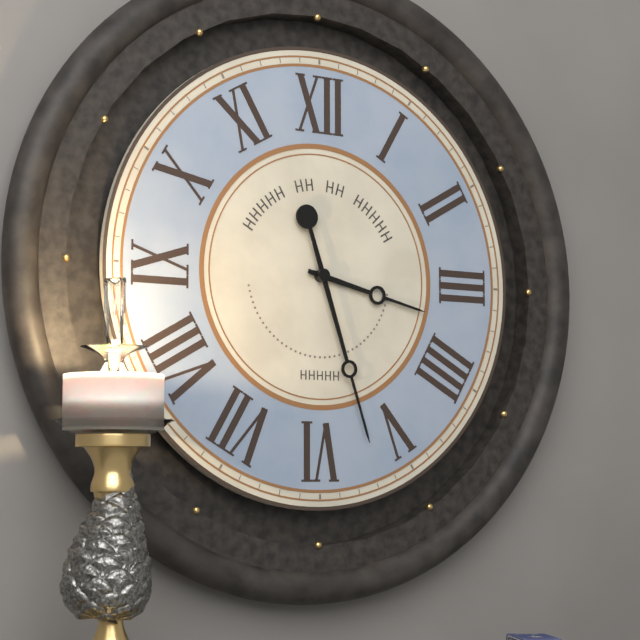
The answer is 3:27
